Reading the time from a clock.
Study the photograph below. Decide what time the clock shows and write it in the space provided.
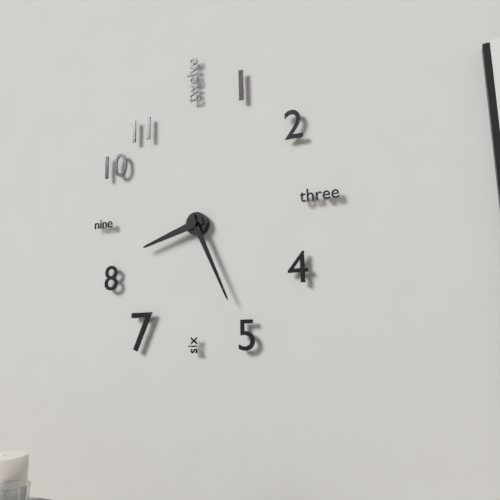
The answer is 8:26
